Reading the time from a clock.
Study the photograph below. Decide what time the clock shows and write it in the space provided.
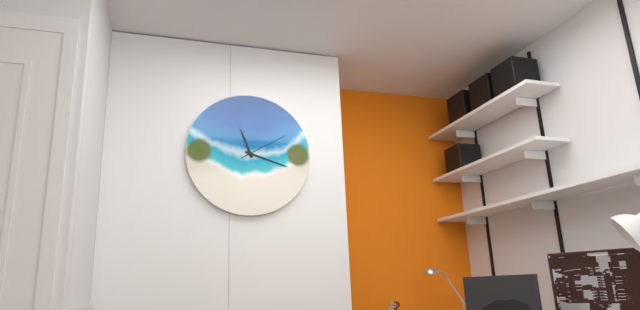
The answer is 11:18:10
